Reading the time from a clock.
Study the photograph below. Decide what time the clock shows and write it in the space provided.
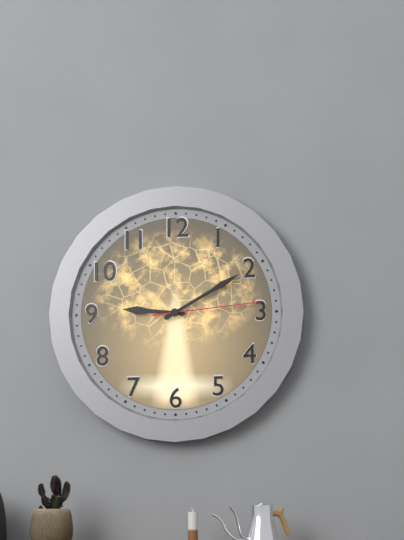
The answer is 9:10:14
